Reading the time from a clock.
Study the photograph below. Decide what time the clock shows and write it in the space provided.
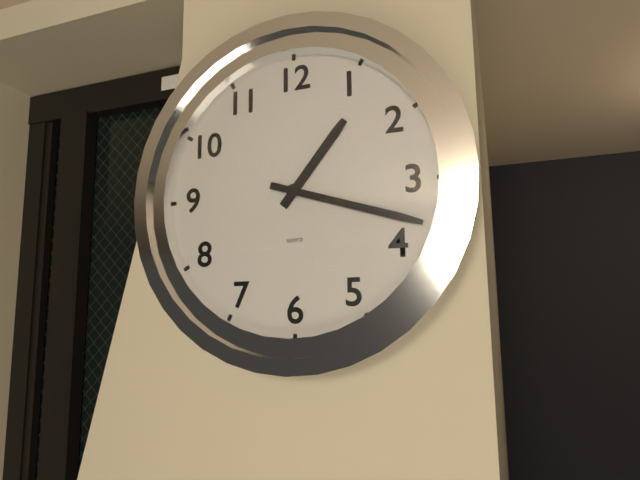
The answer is 1:18
